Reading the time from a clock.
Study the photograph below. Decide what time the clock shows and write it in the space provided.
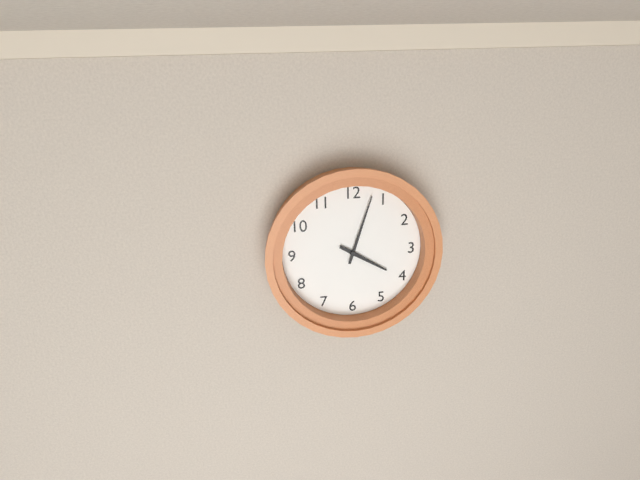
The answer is 4:03
